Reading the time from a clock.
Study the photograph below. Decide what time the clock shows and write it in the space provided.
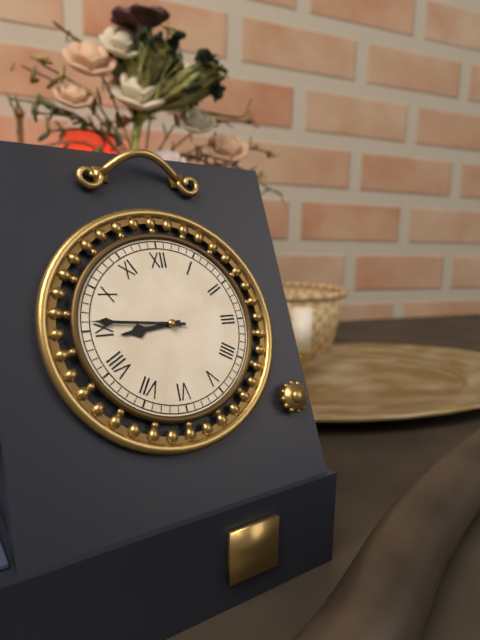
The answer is 8:46
